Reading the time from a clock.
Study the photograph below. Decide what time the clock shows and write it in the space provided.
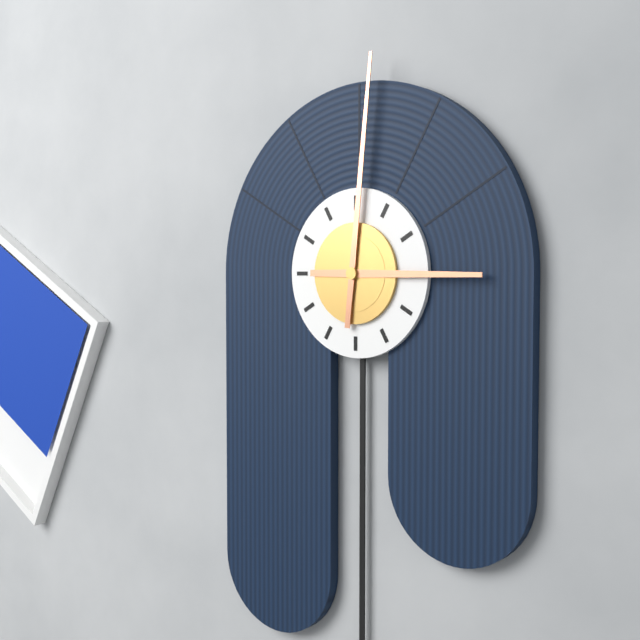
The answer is 3:01
